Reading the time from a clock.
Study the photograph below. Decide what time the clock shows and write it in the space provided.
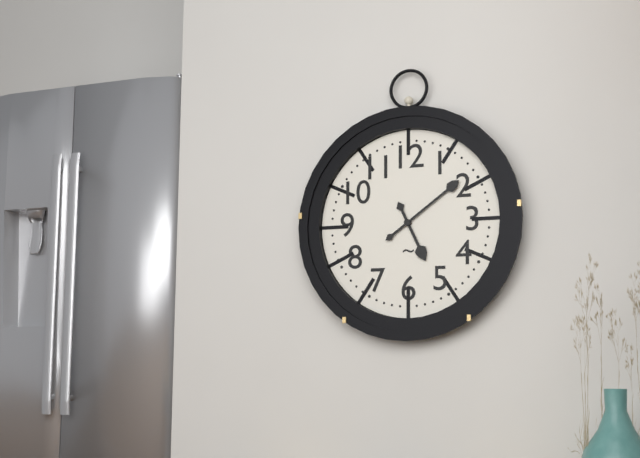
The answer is 5:09
